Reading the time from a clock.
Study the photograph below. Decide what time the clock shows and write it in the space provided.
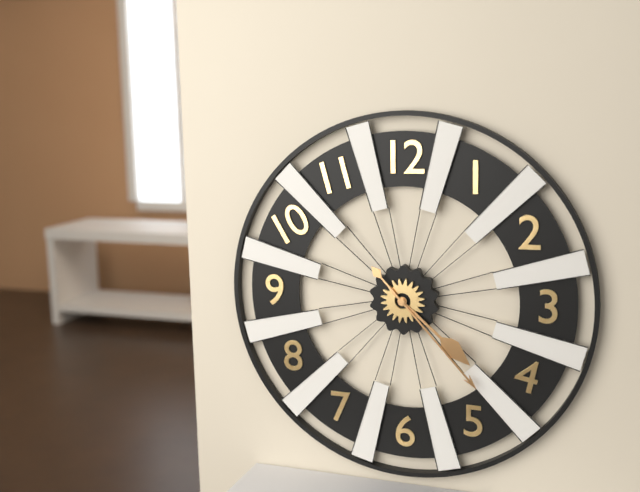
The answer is 4:23
